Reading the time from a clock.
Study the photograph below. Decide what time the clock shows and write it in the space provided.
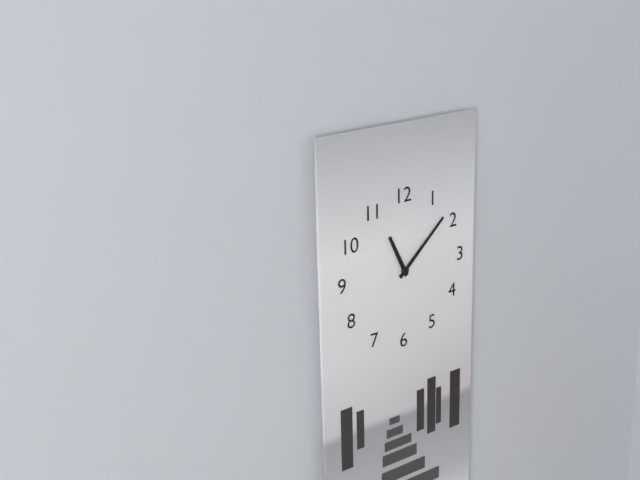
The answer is 11:08
